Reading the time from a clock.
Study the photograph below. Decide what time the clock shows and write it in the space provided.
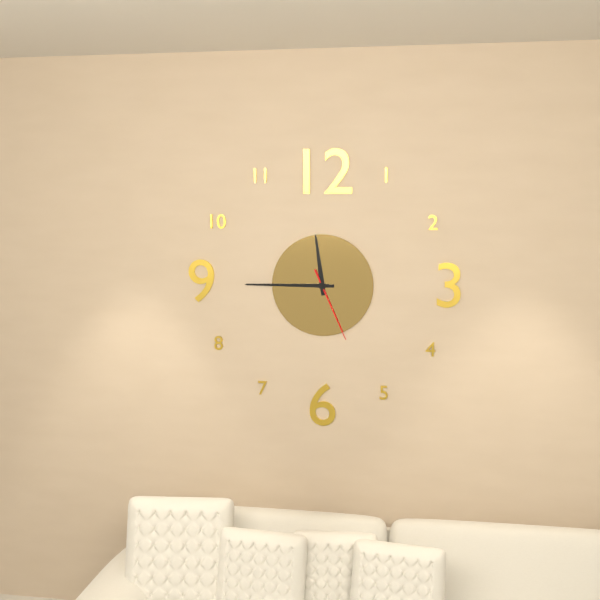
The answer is 11:45:26
